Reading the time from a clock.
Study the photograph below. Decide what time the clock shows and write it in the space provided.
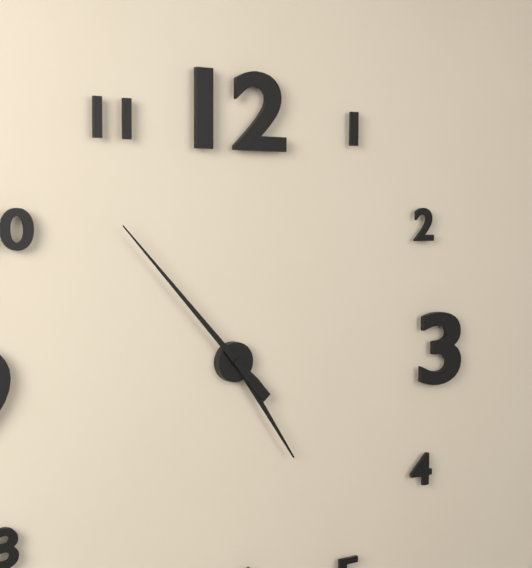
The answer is 4:53
